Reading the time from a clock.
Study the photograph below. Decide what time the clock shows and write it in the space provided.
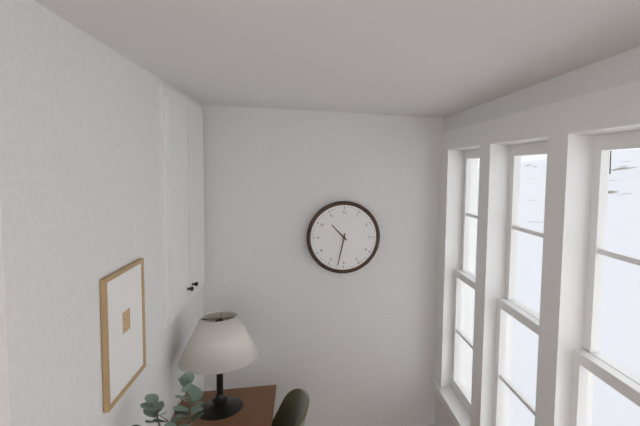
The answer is 10:32
